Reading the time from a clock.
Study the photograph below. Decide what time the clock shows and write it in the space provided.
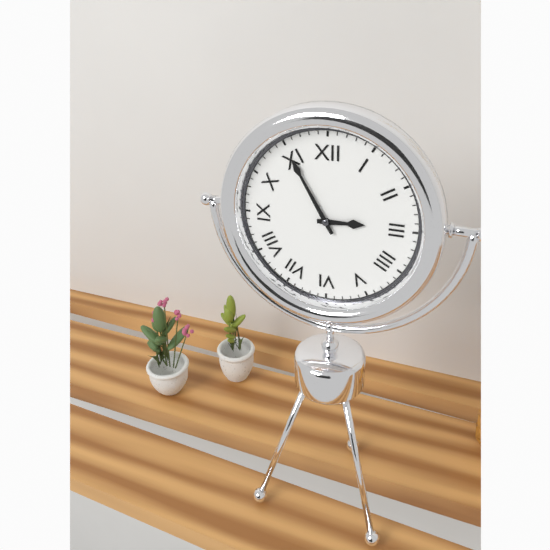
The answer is 2:55
